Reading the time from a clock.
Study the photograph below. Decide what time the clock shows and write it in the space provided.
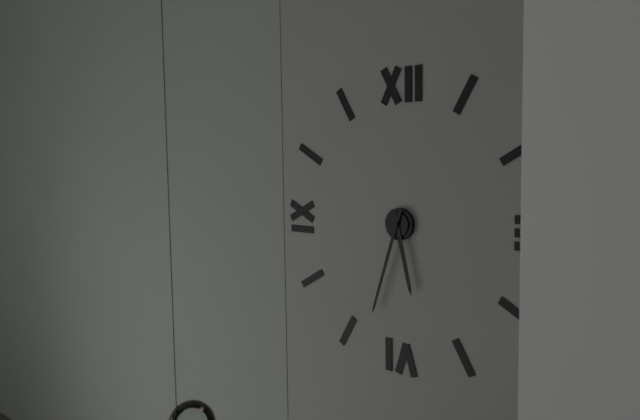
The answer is 5:33
